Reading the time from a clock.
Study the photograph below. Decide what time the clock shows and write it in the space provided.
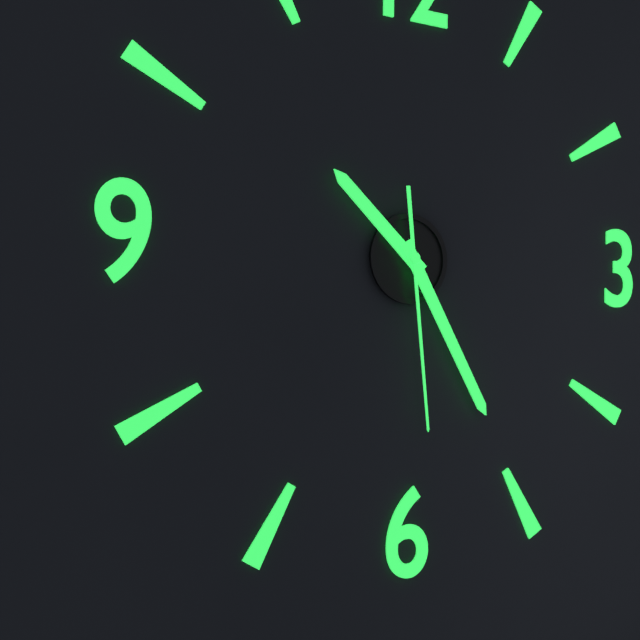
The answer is 10:25:29
